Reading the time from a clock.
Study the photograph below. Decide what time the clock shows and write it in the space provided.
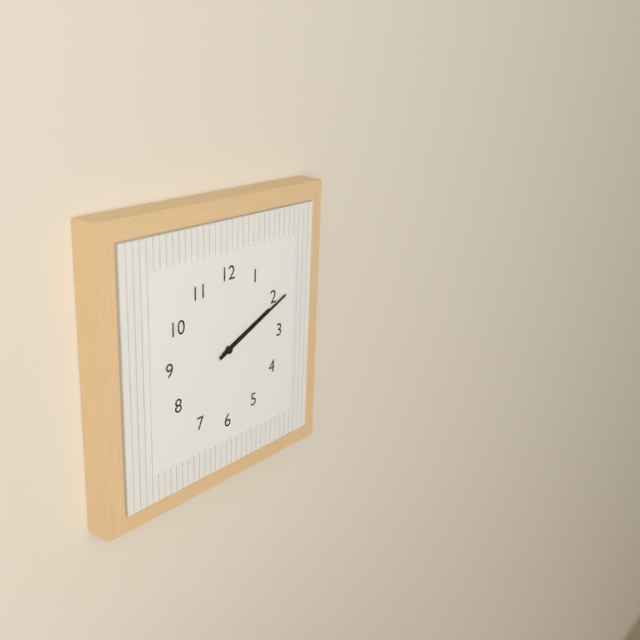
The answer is 2:11
